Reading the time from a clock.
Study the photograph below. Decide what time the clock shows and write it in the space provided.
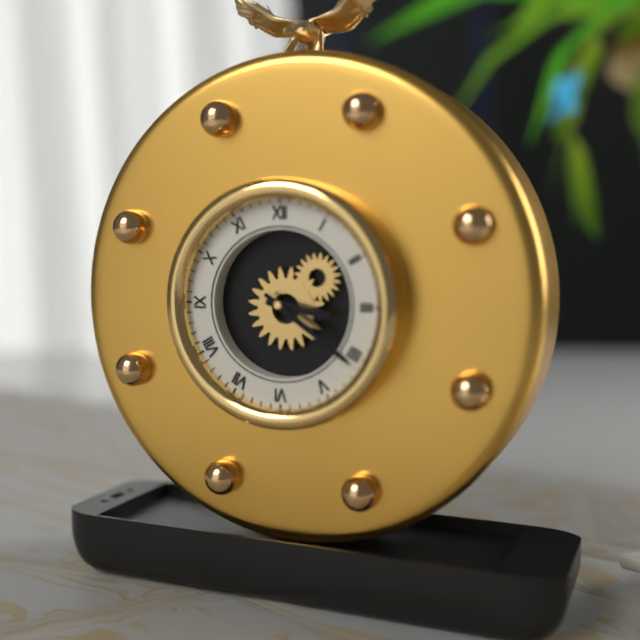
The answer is 3:21
